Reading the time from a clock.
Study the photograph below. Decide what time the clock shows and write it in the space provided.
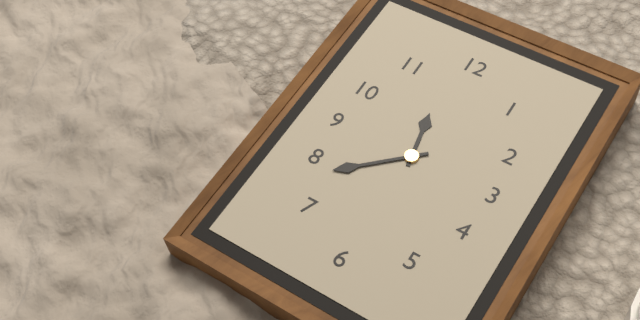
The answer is 11:38
